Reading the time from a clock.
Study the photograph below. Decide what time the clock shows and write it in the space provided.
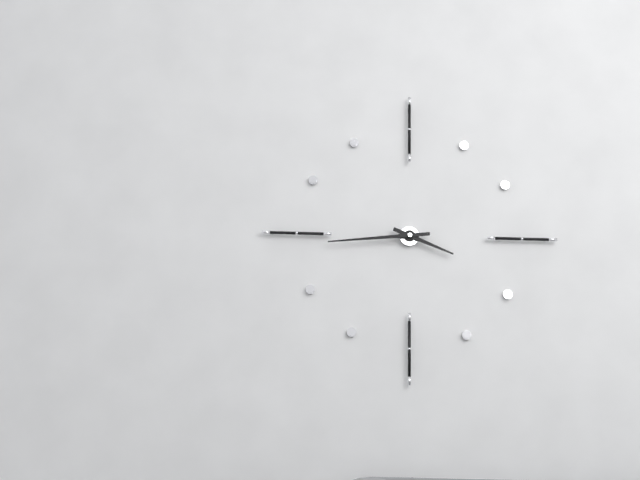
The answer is 3:44
